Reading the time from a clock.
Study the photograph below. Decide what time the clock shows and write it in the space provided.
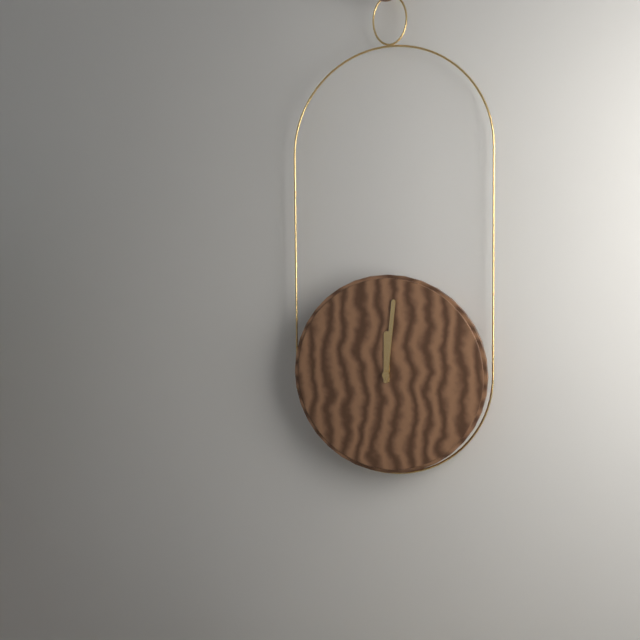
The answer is 12:01
